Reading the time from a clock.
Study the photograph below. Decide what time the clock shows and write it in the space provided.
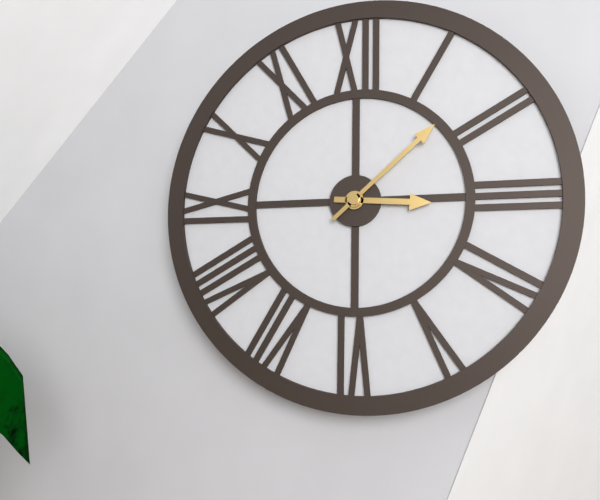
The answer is 3:08
